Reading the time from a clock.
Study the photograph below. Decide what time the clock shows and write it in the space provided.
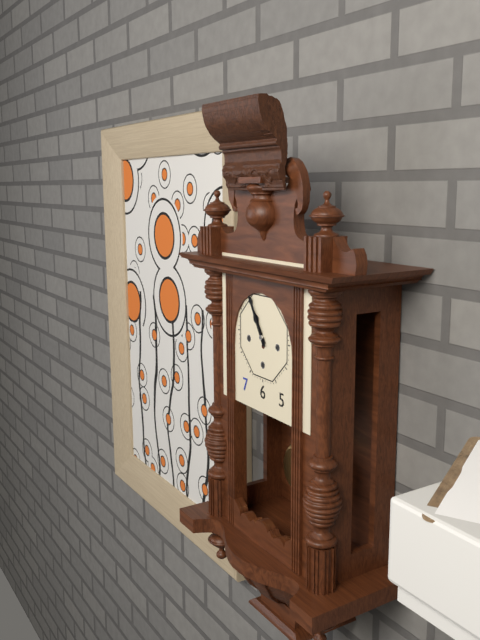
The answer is 10:55
